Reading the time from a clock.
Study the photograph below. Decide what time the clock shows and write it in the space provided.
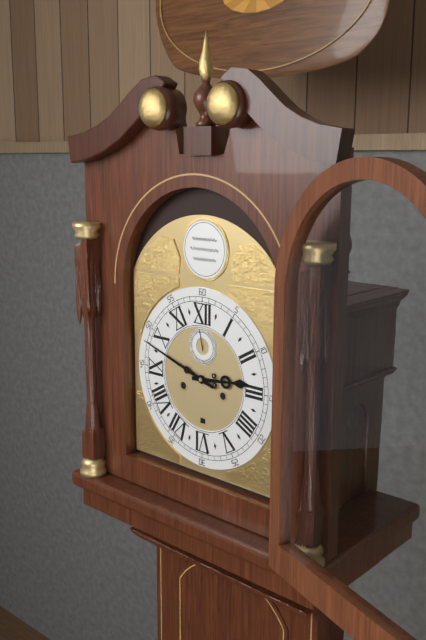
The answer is 2:48
